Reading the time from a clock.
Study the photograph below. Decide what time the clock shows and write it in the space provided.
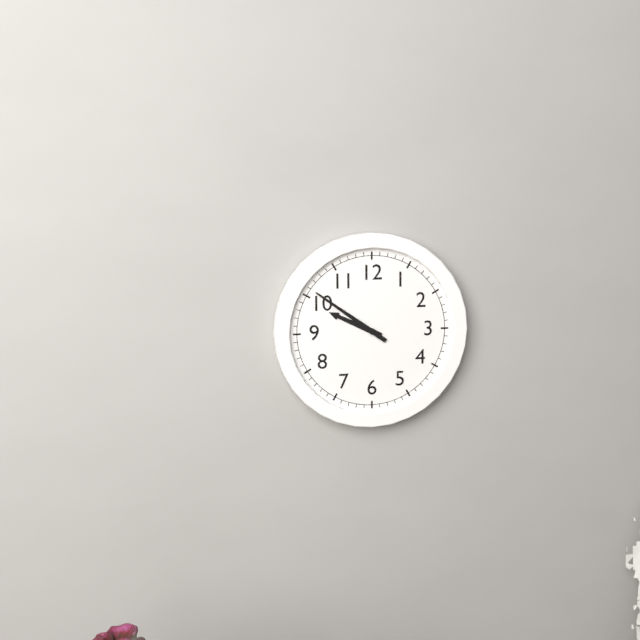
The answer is 9:51
